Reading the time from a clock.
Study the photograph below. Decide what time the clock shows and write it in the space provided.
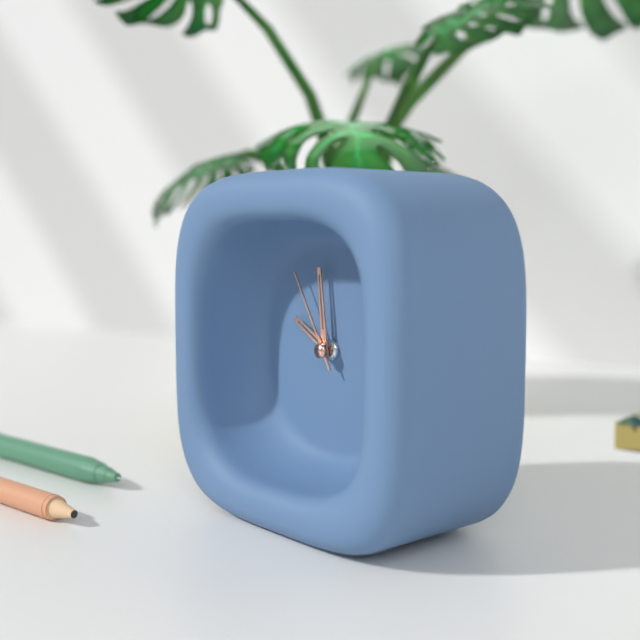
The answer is 9:59:55
